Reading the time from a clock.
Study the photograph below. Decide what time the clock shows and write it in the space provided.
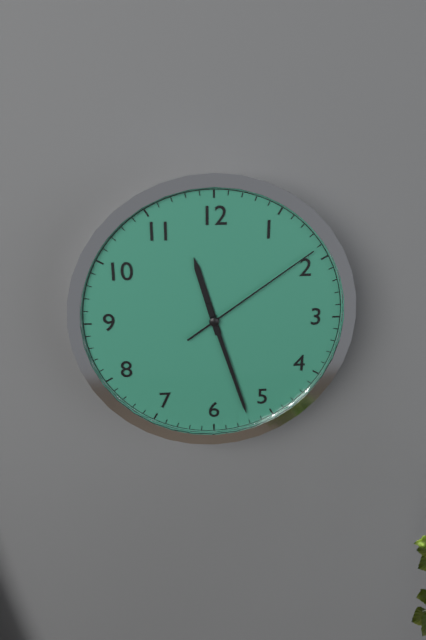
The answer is 11:27:09
